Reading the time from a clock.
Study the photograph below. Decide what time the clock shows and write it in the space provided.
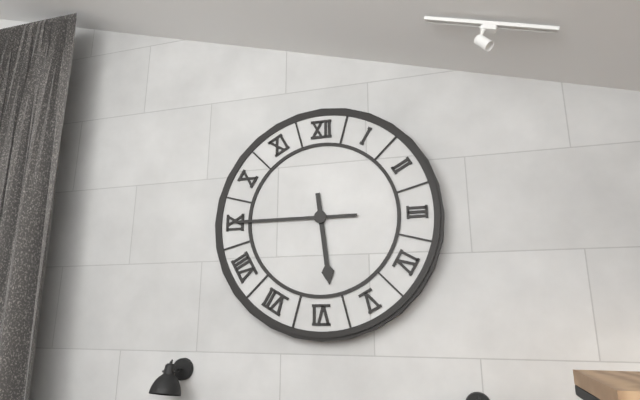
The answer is 5:45
